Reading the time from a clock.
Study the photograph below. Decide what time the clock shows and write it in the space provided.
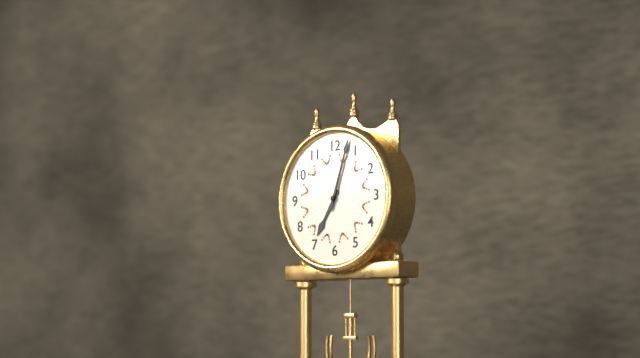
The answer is 7:03
